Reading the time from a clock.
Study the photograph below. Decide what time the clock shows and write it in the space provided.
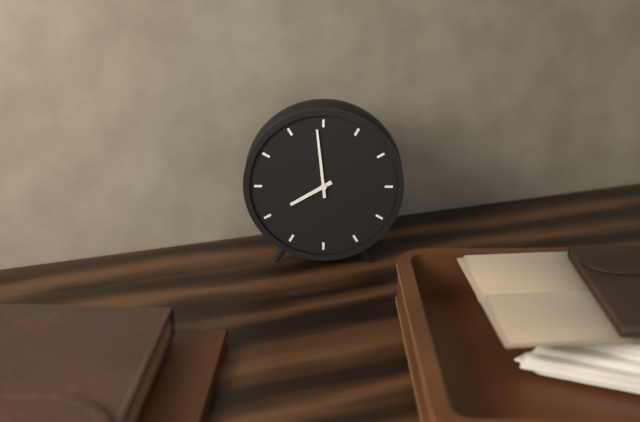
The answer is 7:59
